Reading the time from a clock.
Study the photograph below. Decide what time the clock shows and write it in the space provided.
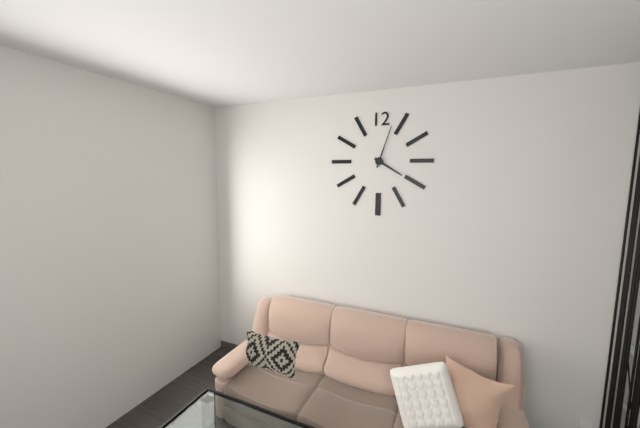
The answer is 4:03
